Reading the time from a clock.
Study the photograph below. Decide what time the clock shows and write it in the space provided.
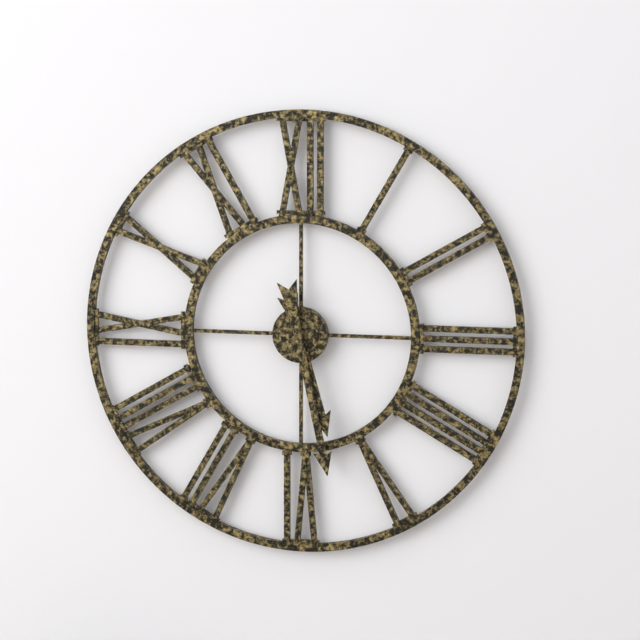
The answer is 5:28
